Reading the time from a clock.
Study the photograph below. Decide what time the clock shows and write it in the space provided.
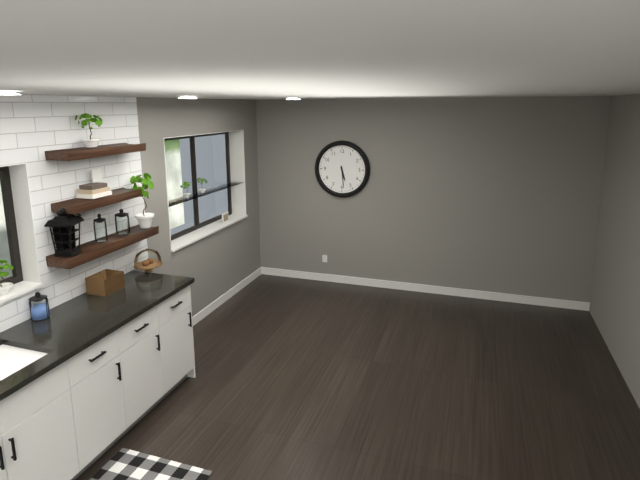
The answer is 5:29
